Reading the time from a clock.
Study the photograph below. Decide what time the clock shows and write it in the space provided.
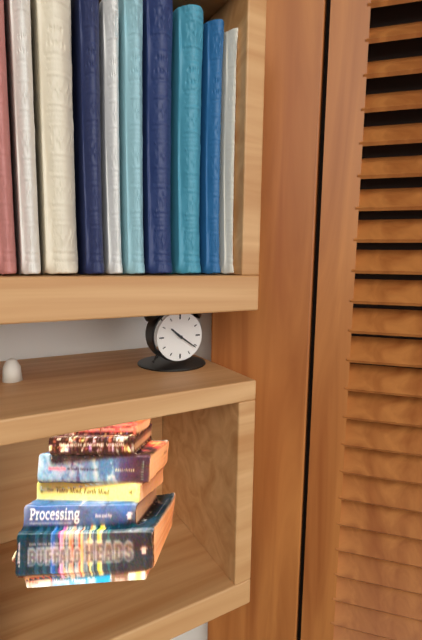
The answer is 10:21
